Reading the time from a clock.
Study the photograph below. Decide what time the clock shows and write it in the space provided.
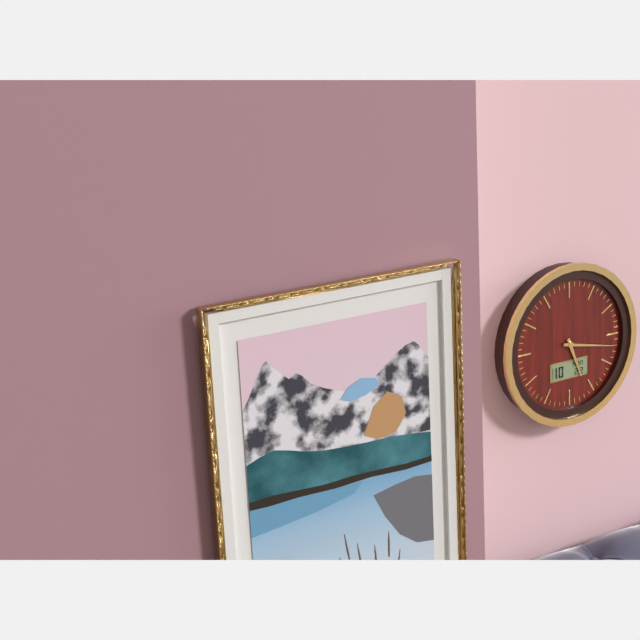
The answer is 5:17
